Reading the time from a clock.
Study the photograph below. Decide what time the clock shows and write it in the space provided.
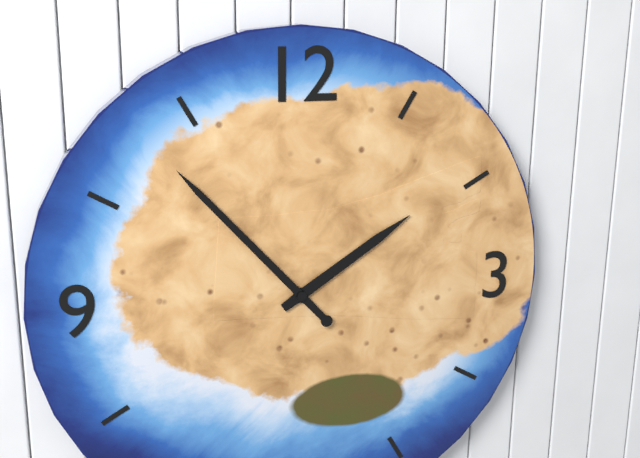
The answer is 1:53
